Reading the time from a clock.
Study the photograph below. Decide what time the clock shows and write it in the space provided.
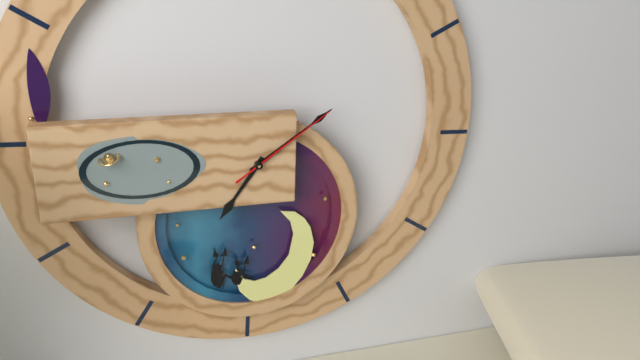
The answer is 7:09:09
